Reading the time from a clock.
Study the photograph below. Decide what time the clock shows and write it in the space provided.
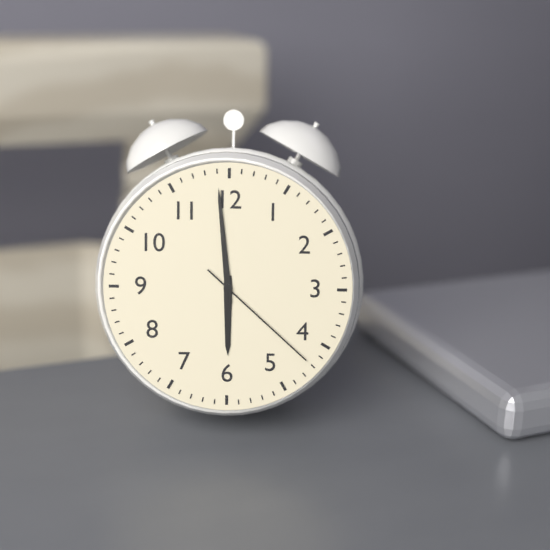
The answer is 5:59:22
